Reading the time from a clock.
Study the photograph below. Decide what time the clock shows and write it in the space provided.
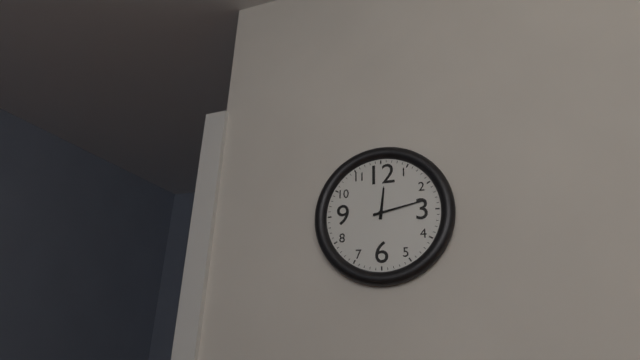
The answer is 12:13
